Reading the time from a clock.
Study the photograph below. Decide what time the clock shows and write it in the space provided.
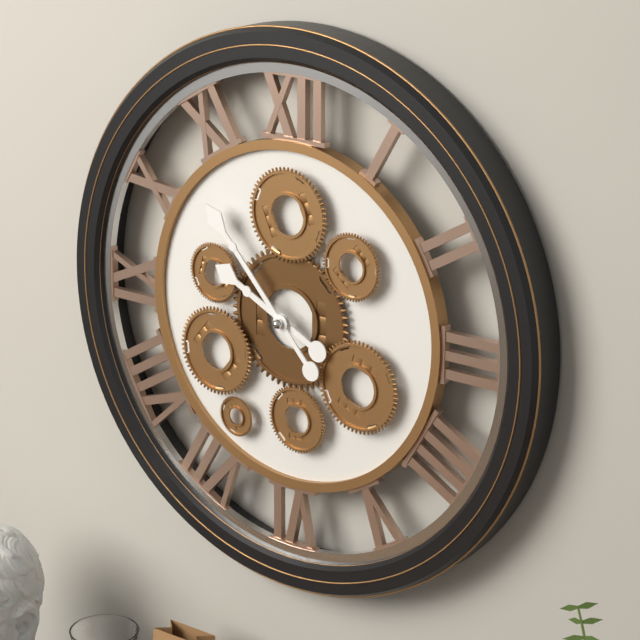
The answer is 9:53
